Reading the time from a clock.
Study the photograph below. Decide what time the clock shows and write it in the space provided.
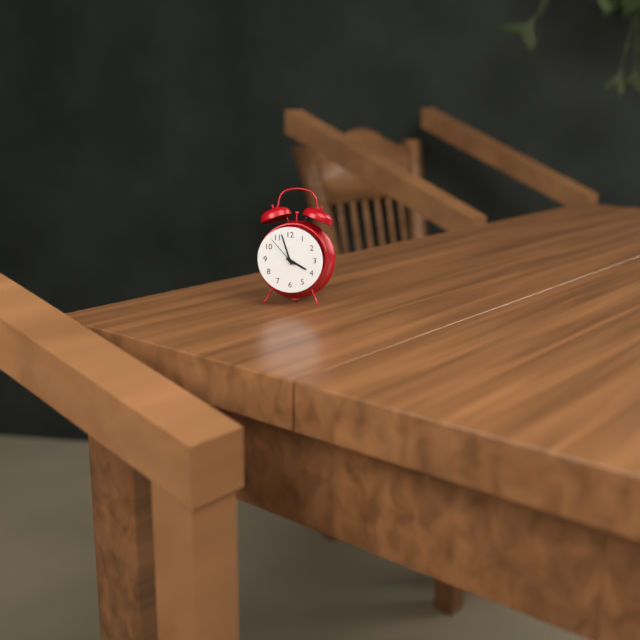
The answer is 3:57
